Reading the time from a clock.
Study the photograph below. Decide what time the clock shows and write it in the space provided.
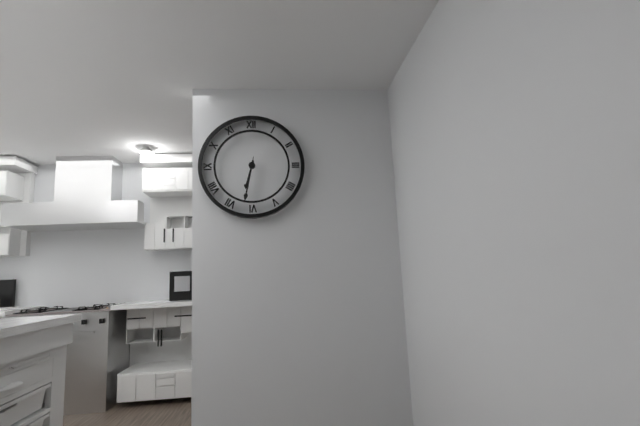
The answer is 6:32
